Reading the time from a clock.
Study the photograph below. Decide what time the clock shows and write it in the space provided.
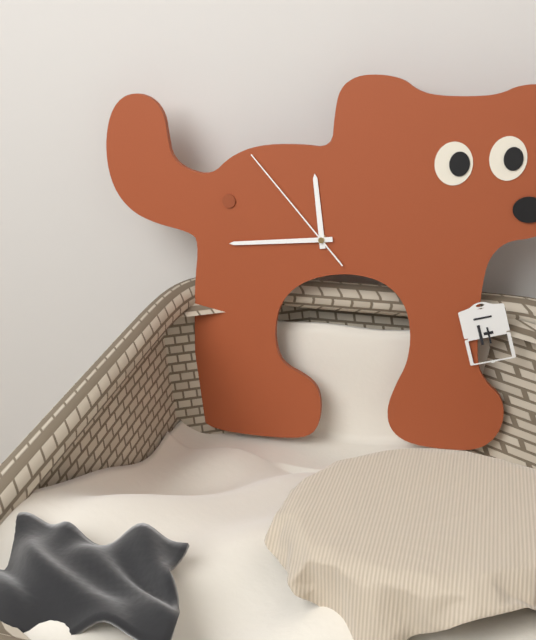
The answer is 11:44:53
